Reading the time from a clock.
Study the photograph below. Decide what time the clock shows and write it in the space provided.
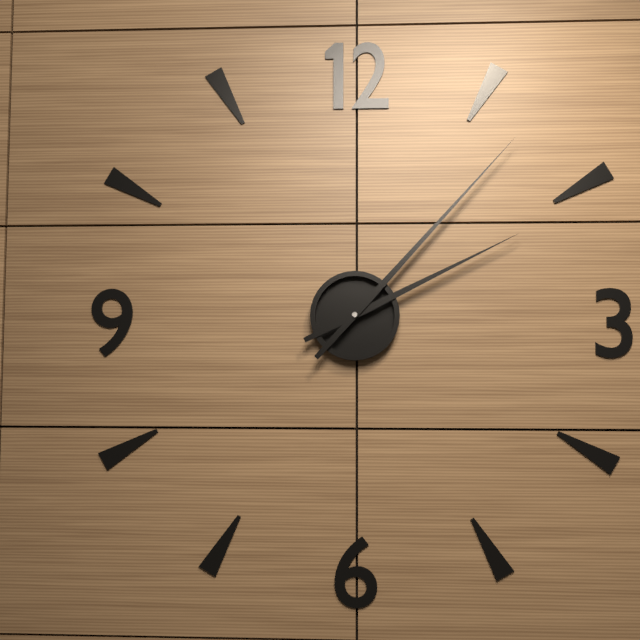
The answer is 2:07
